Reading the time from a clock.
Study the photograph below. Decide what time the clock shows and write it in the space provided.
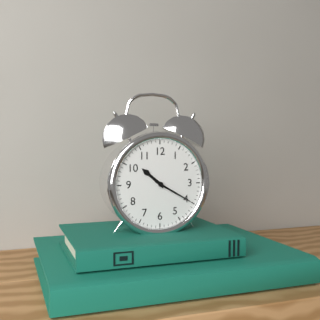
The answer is 10:20
